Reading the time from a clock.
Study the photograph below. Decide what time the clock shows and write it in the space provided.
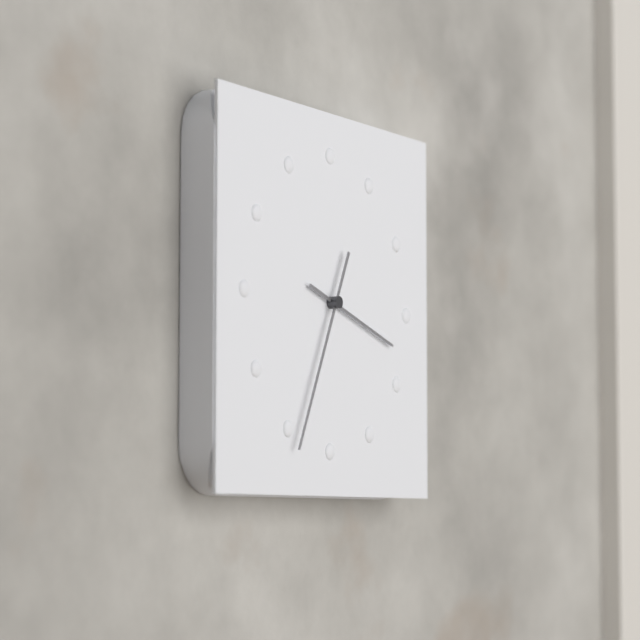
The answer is 3:34
